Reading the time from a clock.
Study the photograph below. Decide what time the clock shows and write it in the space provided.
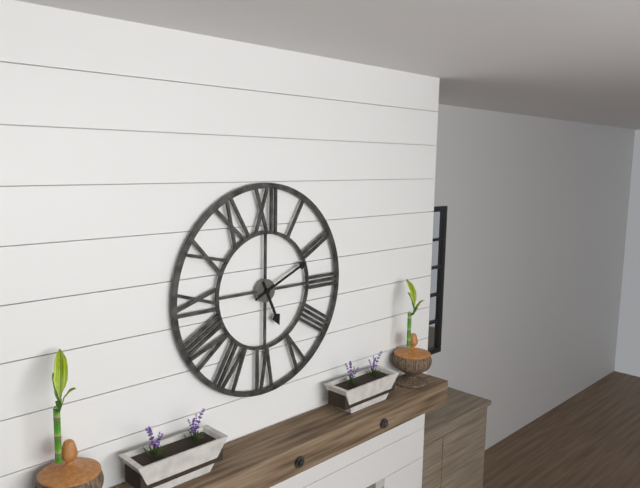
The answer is 5:11
